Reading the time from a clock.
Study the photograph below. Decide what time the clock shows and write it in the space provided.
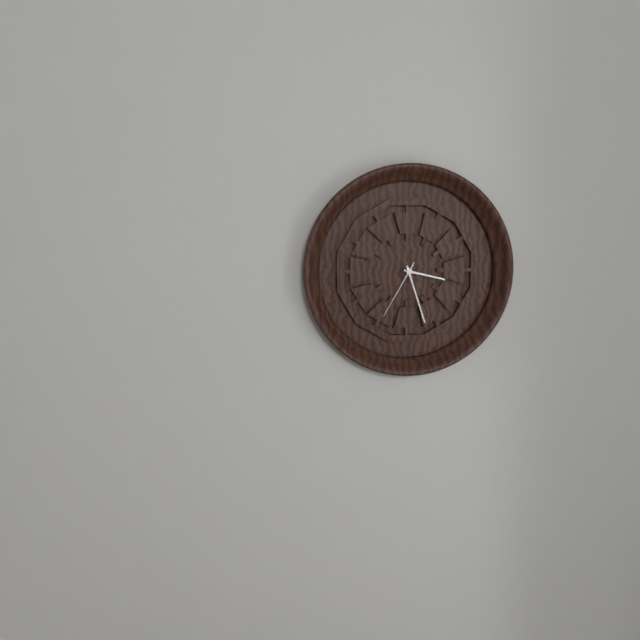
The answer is 3:27:35
